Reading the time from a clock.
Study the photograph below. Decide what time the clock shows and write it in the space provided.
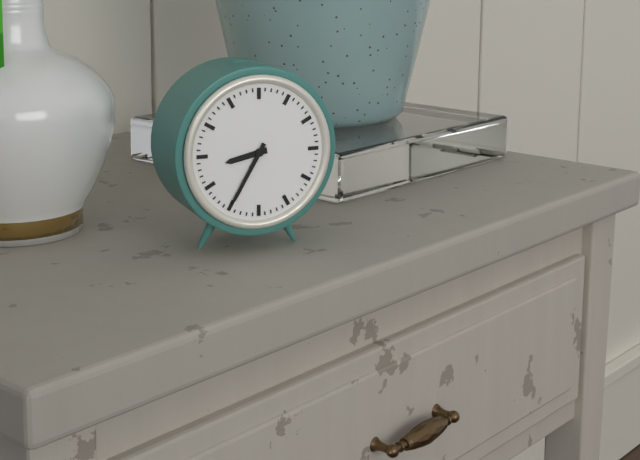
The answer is 8:35
